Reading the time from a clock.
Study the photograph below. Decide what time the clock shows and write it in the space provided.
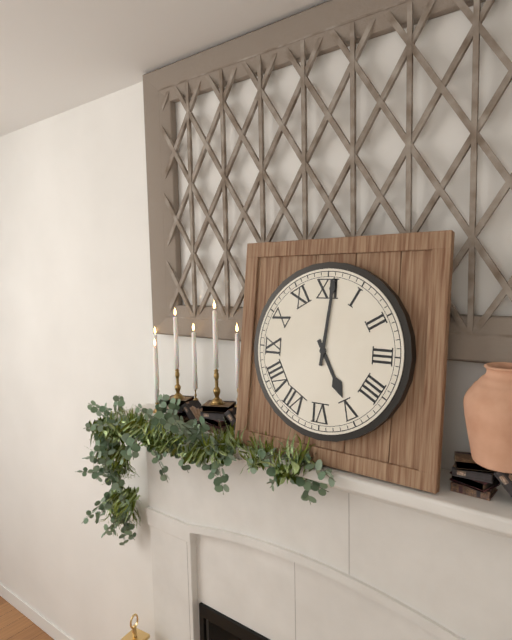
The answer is 5:01
